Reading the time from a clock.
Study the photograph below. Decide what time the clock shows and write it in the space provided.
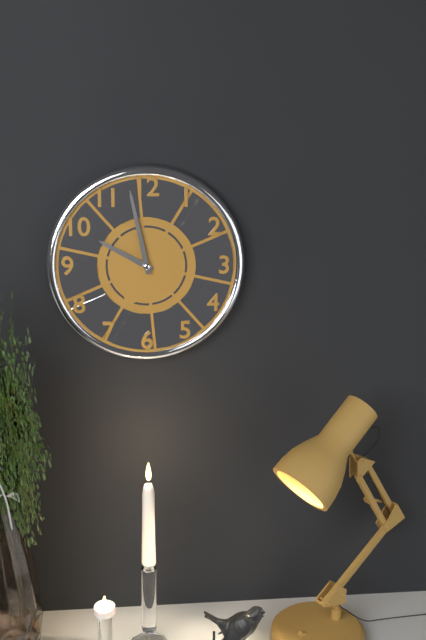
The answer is 9:58
